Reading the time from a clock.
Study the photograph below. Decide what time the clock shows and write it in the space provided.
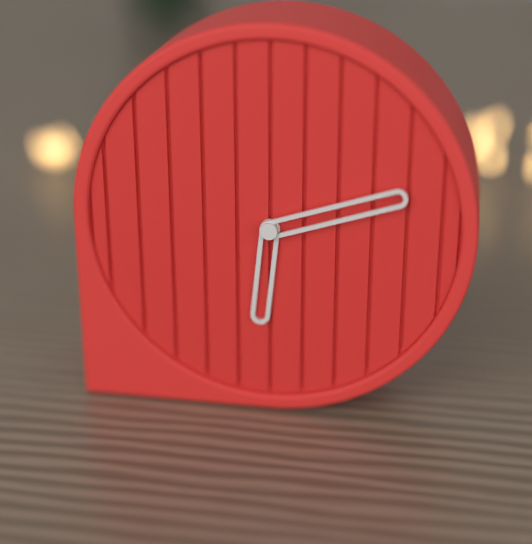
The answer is 6:12
